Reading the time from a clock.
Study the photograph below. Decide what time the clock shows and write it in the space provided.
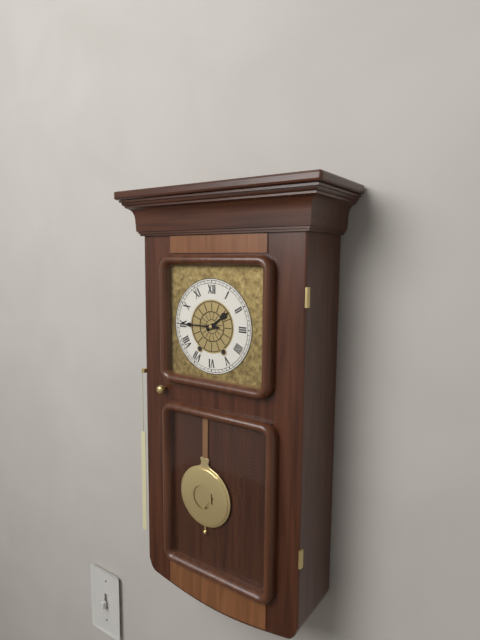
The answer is 1:45
